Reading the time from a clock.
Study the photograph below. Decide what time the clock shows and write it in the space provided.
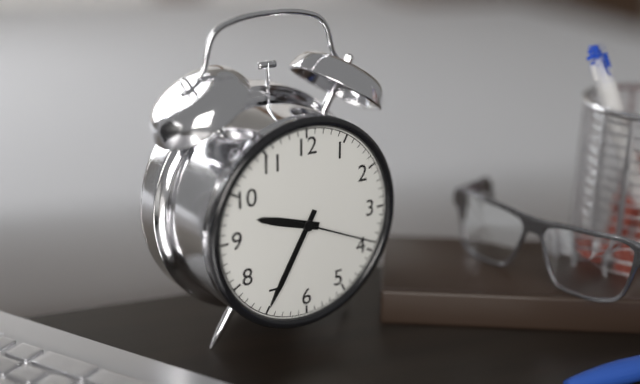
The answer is 9:35:19
